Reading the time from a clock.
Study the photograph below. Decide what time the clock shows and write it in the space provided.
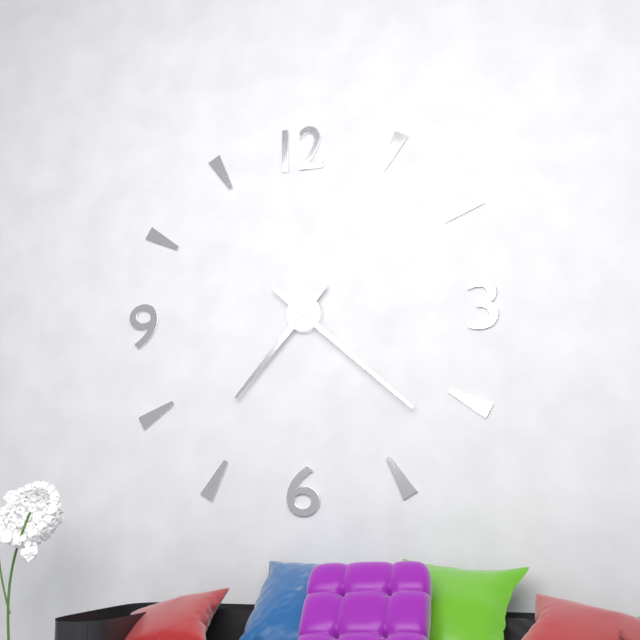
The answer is 7:22
